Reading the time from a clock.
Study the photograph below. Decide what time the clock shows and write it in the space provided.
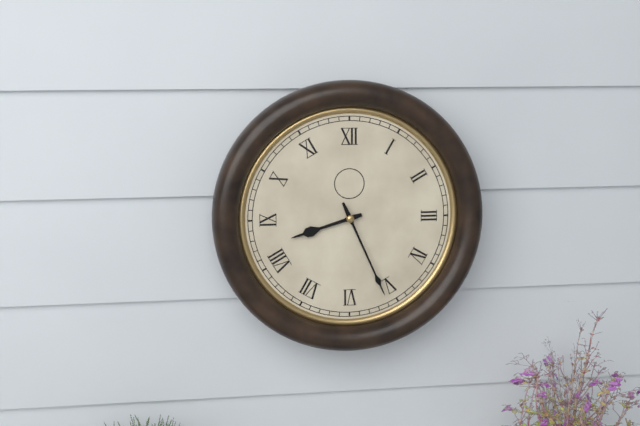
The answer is 8:26
